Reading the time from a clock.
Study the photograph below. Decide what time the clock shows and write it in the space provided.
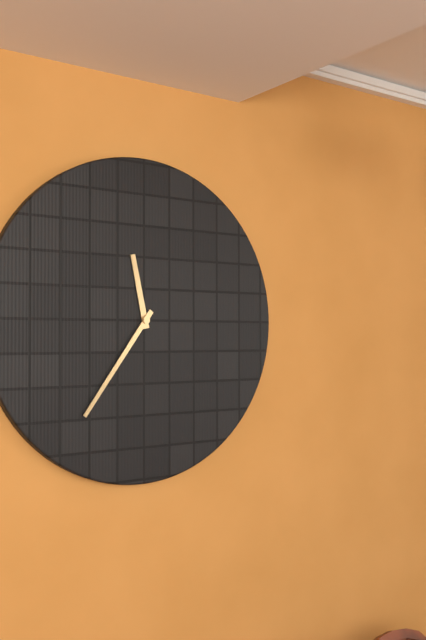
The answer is 11:36
